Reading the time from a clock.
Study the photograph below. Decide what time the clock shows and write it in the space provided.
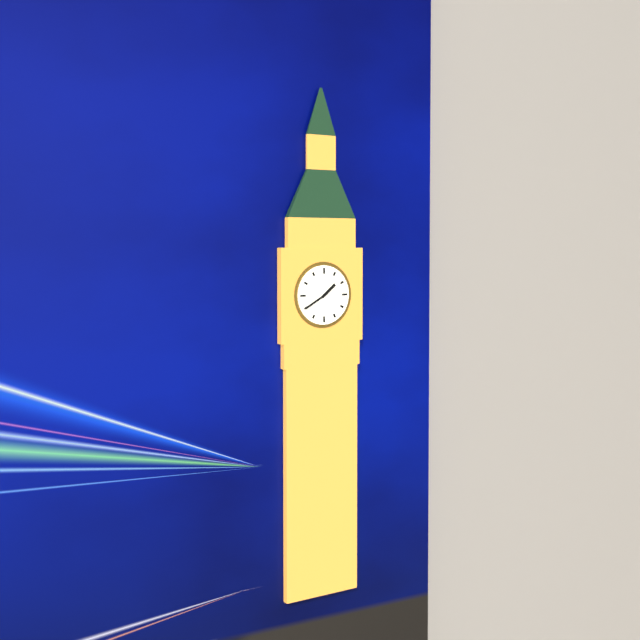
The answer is 1:40
